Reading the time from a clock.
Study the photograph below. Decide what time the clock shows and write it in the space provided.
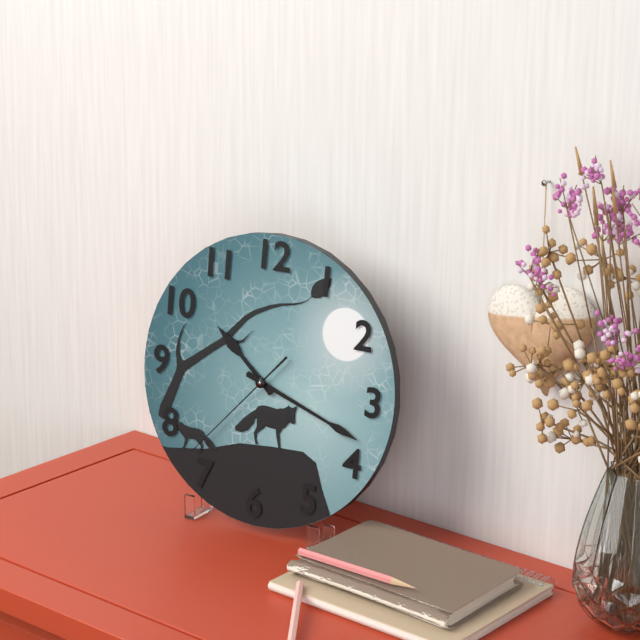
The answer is 10:18:37
